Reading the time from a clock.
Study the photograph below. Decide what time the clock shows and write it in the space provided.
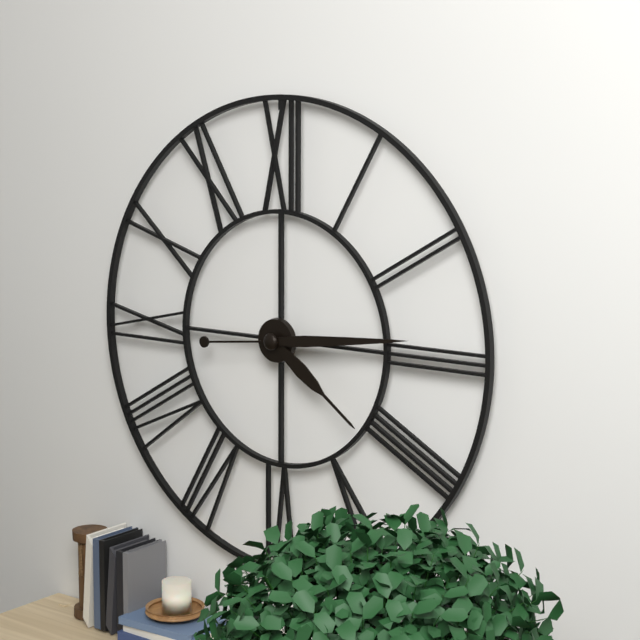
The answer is 4:14
